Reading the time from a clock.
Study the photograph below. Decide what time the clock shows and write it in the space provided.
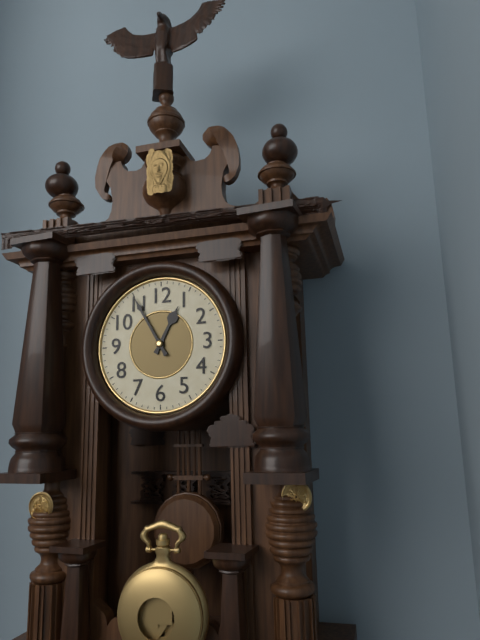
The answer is 12:55
